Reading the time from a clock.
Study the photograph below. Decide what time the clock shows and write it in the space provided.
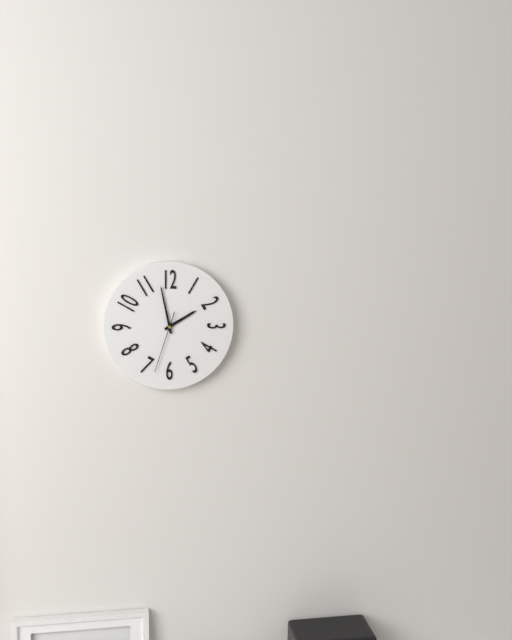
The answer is 1:58:33
